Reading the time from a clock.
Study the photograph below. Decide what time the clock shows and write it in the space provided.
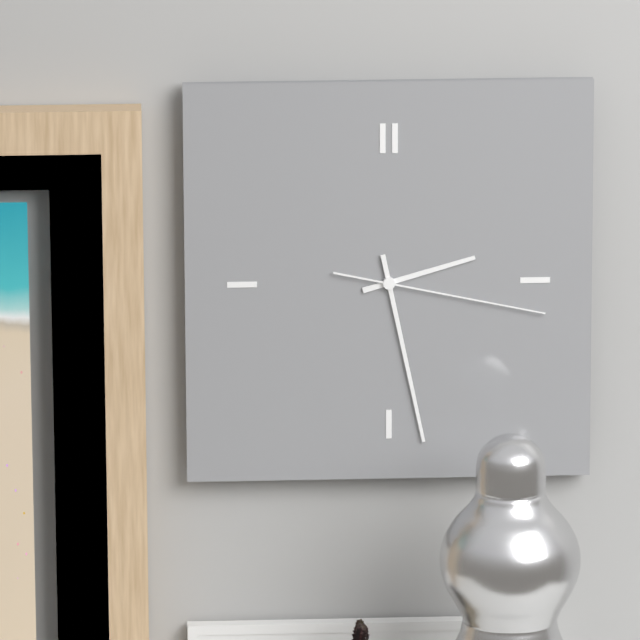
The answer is 2:28:17
